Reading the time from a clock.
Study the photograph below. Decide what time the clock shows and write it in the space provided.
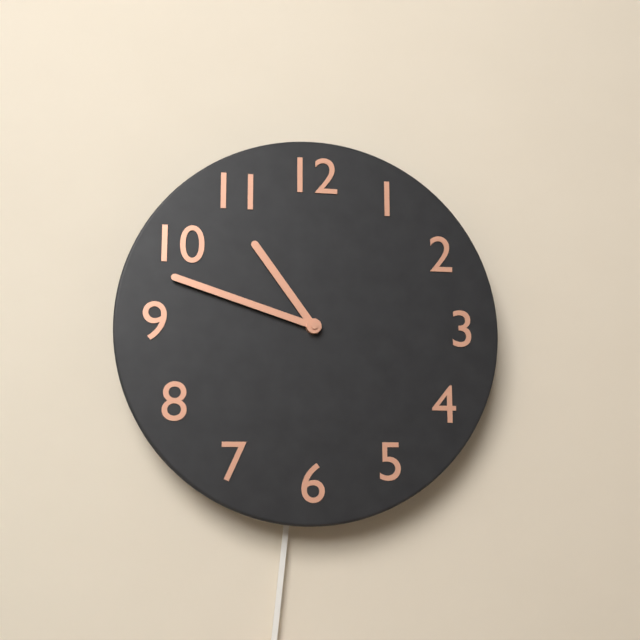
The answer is 10:48
